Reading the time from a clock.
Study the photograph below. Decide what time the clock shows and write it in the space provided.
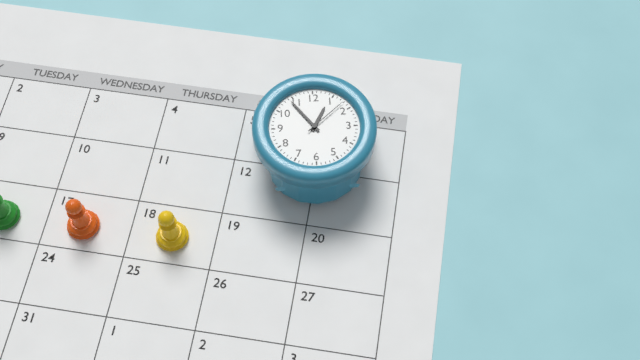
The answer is 12:54
